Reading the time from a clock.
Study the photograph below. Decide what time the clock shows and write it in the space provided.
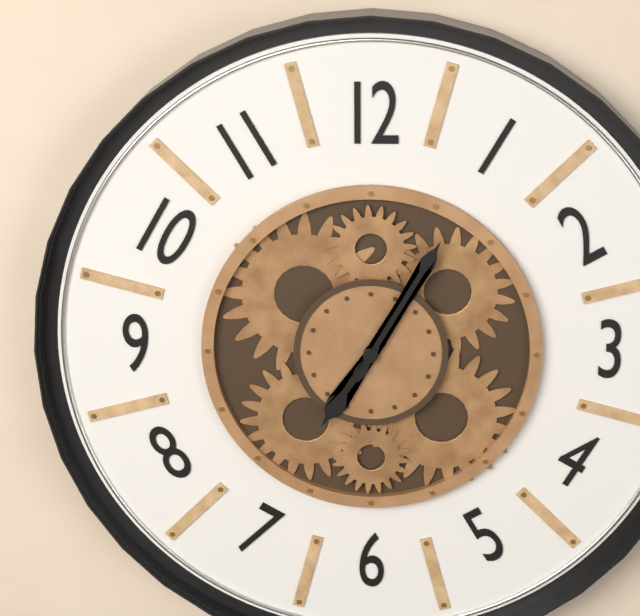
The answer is 7:05
